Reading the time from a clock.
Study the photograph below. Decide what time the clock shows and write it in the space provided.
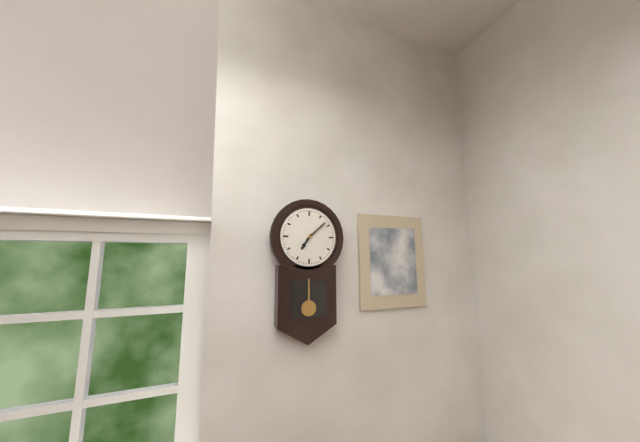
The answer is 7:08
